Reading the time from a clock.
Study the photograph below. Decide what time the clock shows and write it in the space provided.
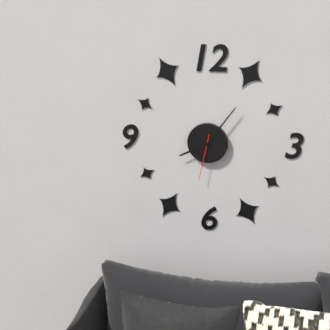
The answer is 8:06
